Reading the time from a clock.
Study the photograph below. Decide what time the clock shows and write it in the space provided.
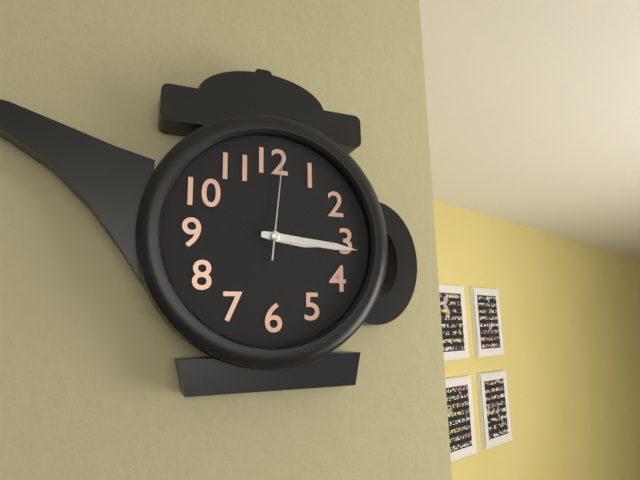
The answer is 3:16:01
